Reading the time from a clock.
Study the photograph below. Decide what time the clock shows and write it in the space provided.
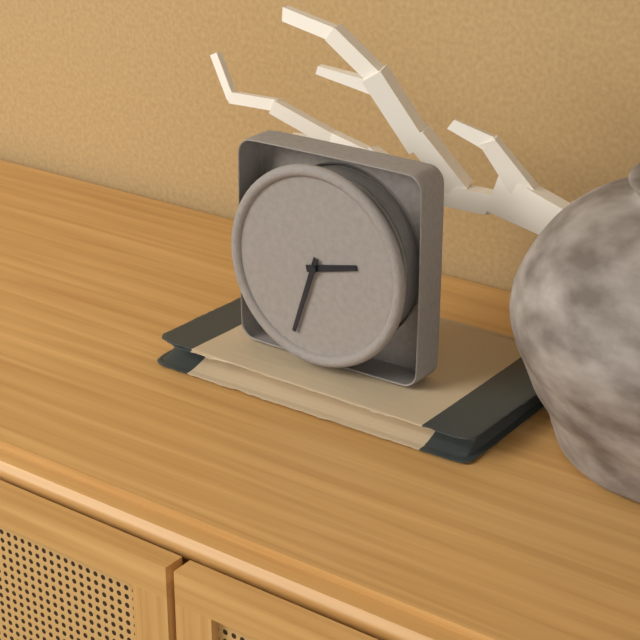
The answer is 2:33
